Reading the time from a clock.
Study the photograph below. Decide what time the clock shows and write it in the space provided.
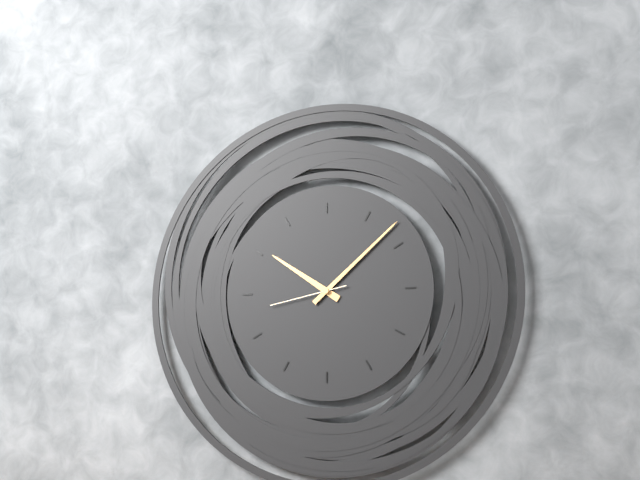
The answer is 10:08:43
